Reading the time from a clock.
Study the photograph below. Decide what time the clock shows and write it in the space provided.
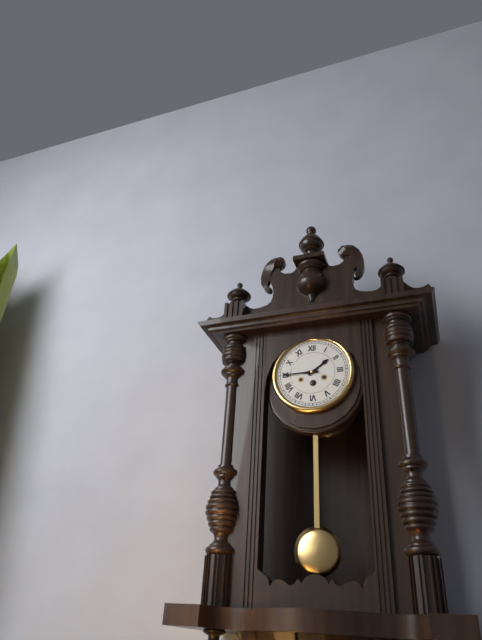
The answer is 1:45
